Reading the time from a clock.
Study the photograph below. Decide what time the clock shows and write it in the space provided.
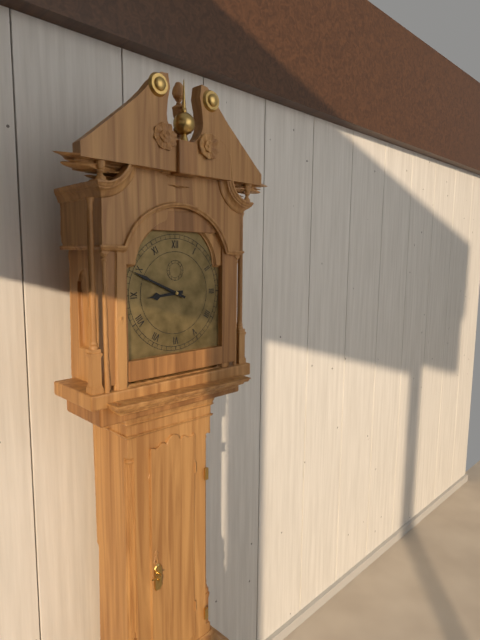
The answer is 8:49
